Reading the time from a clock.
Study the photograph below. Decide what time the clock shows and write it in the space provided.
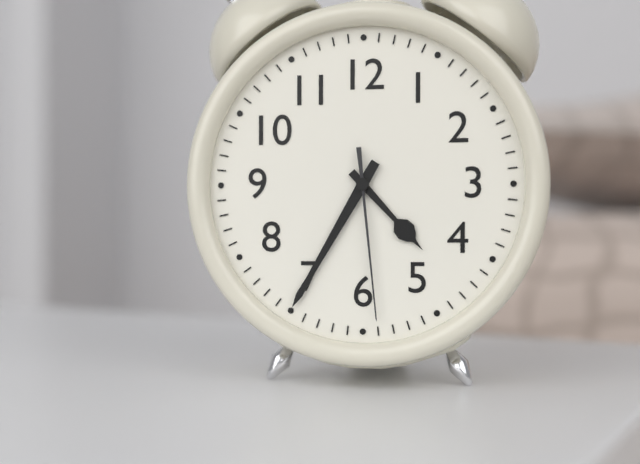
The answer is 4:35:29
